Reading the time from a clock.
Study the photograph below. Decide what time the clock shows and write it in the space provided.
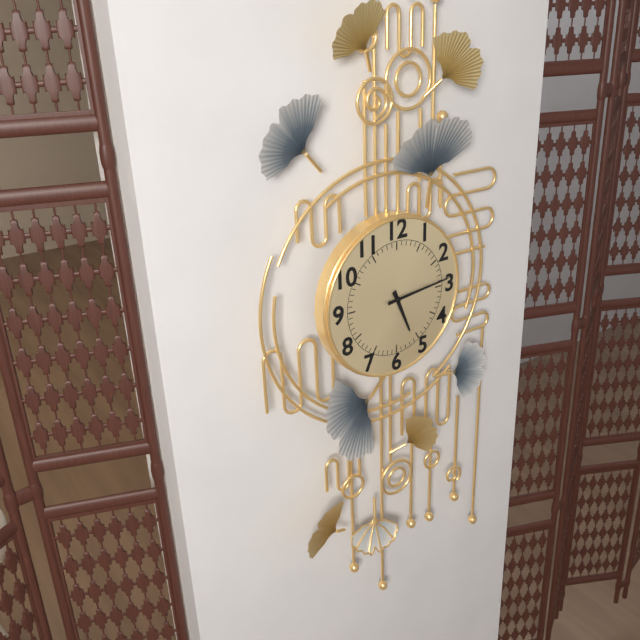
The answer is 5:14
